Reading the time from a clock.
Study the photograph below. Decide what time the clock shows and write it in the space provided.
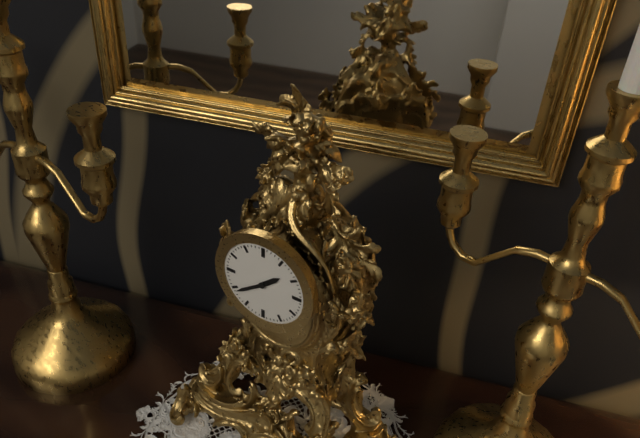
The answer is 1:39
